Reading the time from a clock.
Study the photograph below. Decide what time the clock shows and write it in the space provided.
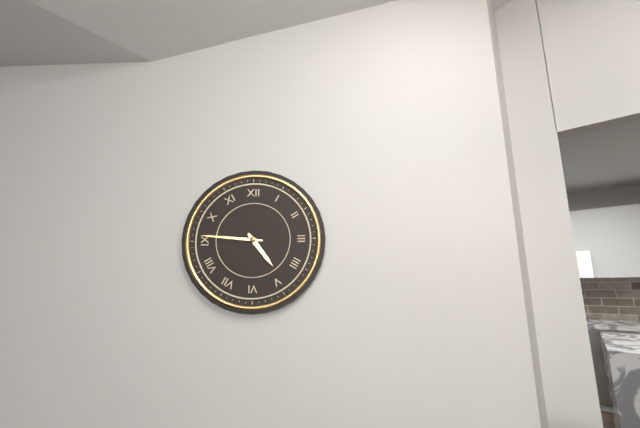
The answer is 4:46
